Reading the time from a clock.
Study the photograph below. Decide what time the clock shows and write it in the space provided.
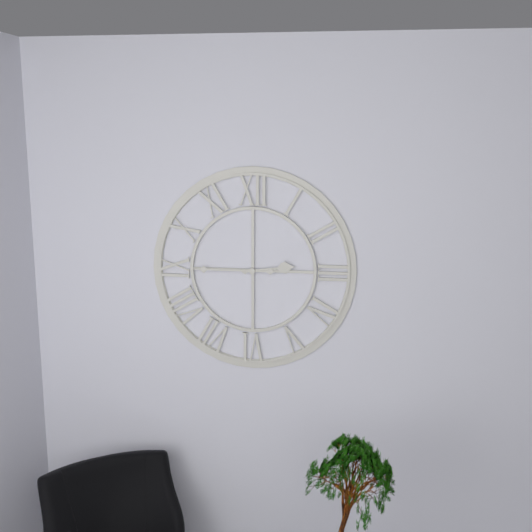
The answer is 2:45
